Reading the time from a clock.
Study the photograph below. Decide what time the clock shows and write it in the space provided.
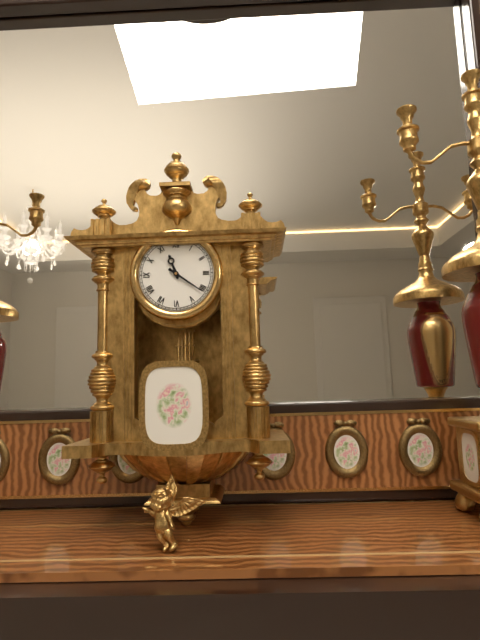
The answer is 11:21
